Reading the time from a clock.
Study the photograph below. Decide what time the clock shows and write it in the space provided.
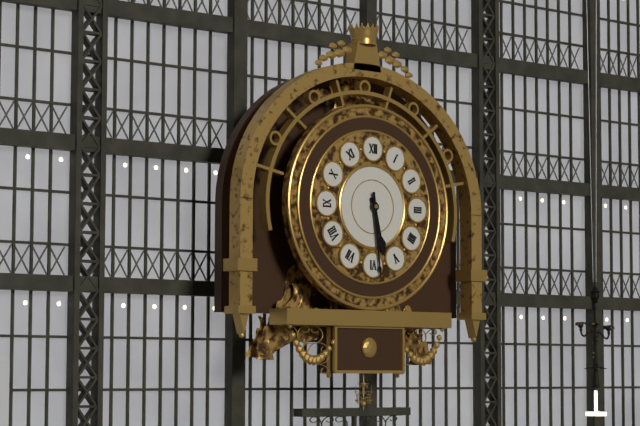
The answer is 5:29
